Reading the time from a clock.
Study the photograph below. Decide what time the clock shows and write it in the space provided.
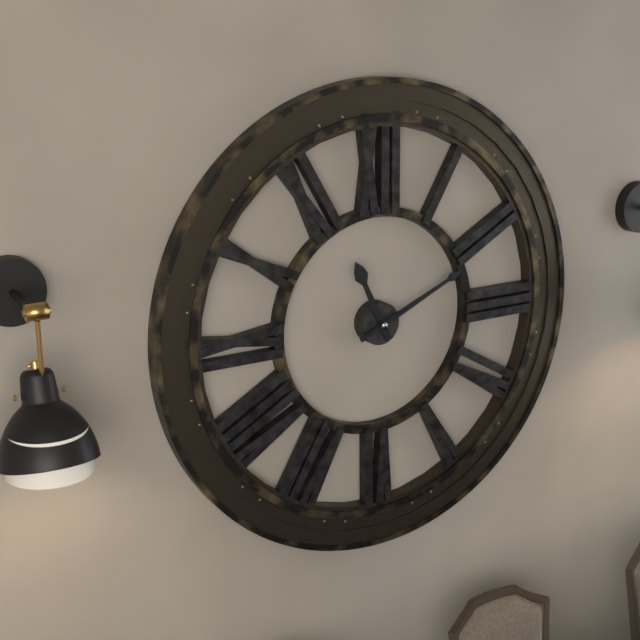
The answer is 11:11
